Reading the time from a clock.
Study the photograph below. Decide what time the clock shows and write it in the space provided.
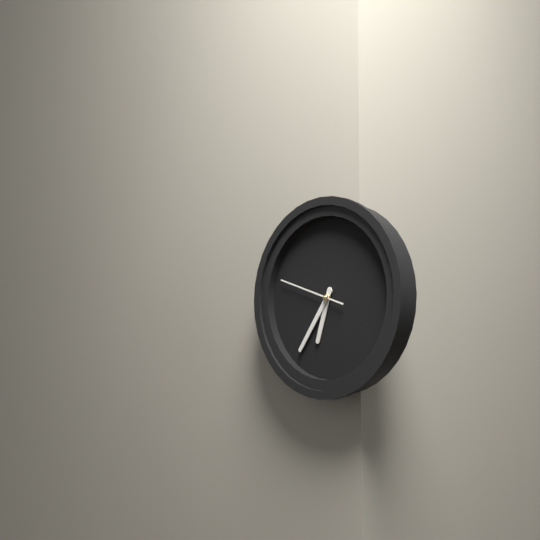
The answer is 6:36:48
